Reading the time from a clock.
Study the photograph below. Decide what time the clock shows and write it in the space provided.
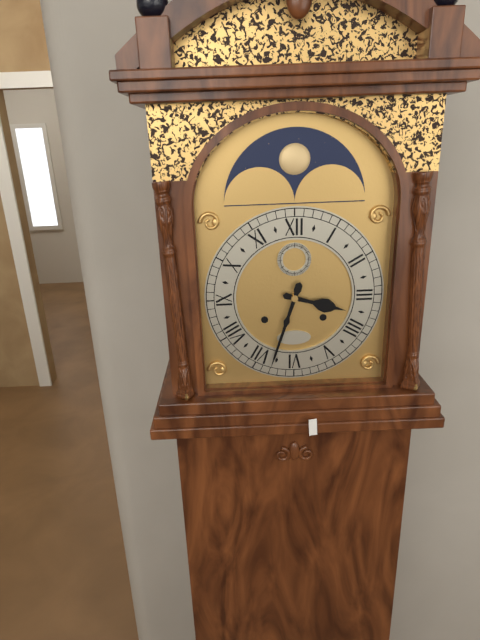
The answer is 3:33
